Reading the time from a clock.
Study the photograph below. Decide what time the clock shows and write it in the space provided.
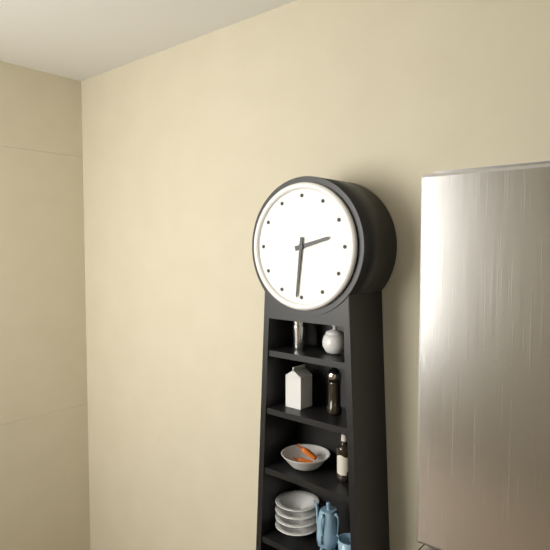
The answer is 2:31
